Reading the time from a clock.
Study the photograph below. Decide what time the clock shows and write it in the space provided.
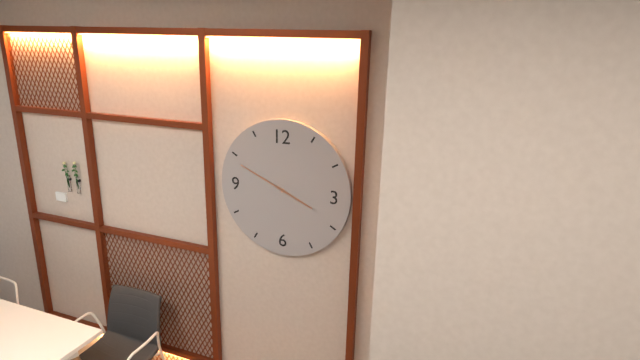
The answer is 3:49
